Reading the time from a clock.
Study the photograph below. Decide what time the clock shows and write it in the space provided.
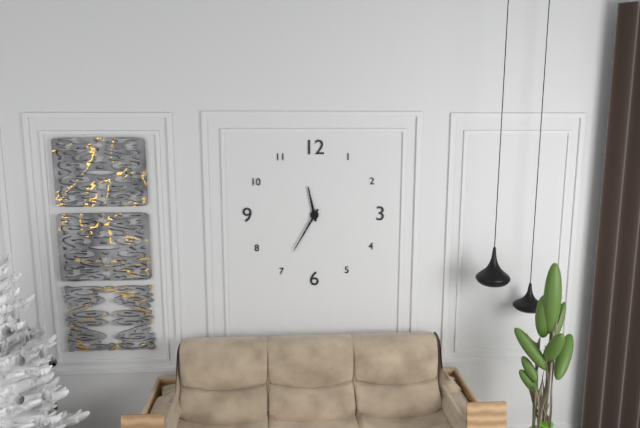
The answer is 11:35
